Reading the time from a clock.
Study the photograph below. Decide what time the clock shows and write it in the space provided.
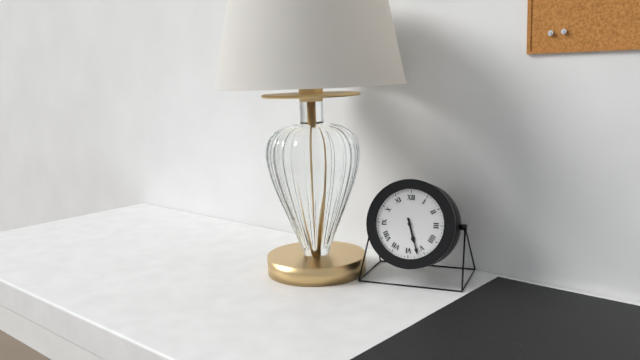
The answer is 5:27
